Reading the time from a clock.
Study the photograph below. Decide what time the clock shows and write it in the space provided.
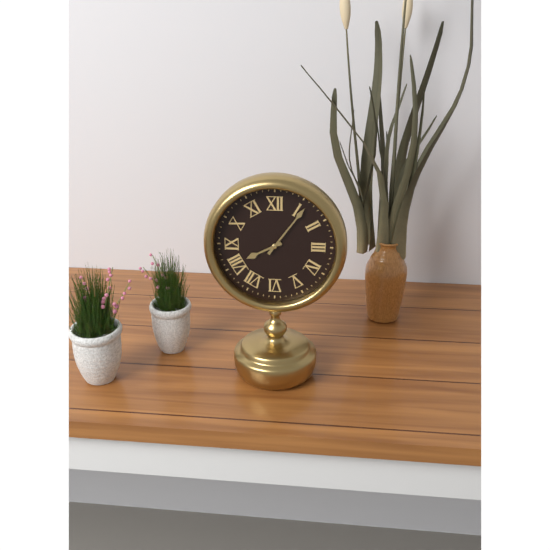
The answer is 8:06
